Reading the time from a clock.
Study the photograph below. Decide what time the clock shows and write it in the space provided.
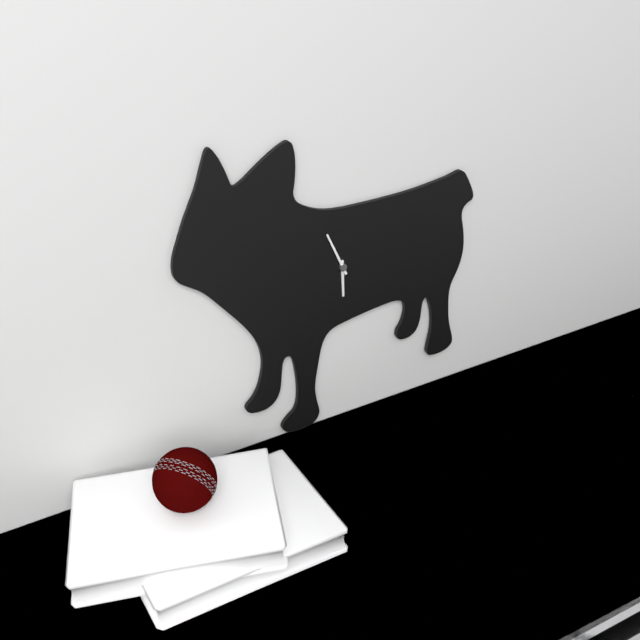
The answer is 5:56
